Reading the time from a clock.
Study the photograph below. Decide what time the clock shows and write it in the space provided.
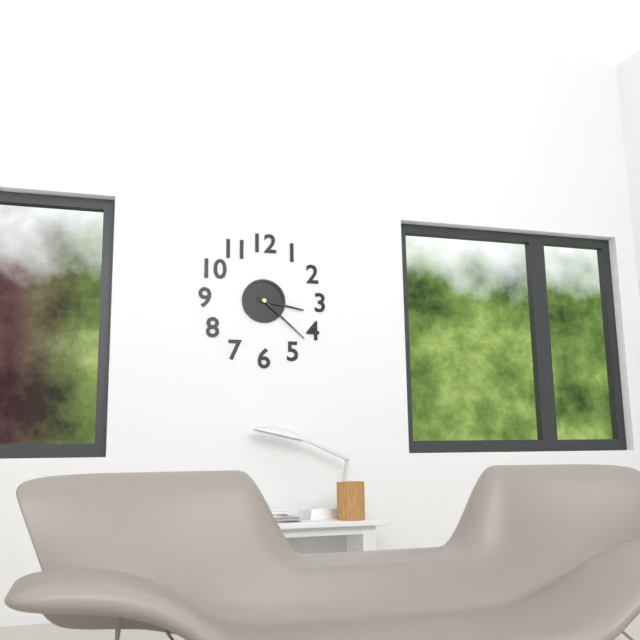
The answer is 3:22
